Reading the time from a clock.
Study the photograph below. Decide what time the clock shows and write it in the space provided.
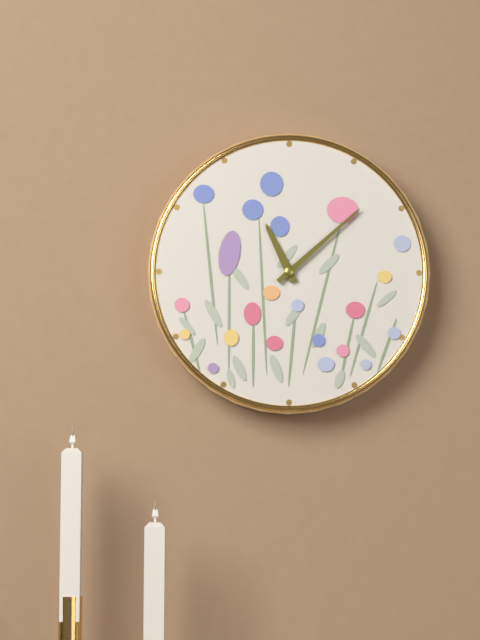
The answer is 11:08
